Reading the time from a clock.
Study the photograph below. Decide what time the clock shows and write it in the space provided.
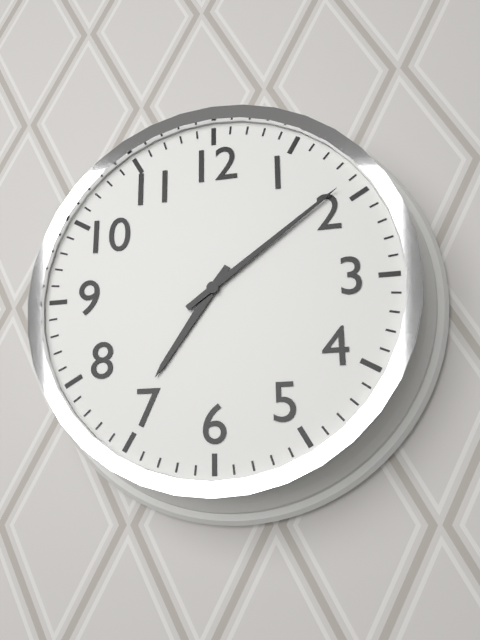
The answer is 7:09
